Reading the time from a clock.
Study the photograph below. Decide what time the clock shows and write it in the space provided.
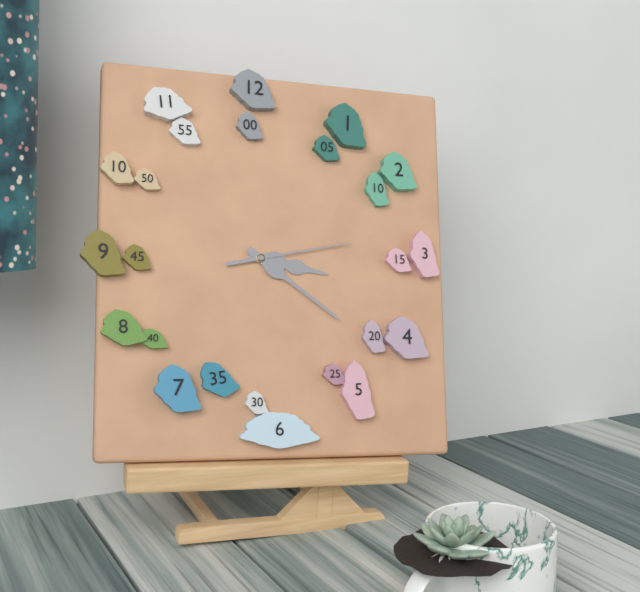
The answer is 3:21:13
